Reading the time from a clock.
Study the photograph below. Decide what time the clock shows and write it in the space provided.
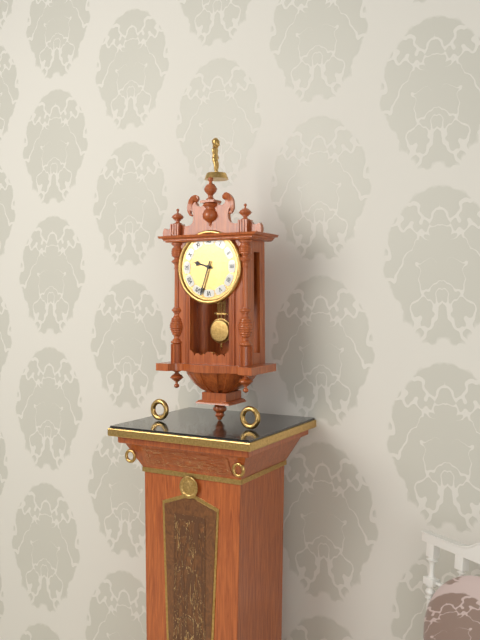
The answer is 9:33
